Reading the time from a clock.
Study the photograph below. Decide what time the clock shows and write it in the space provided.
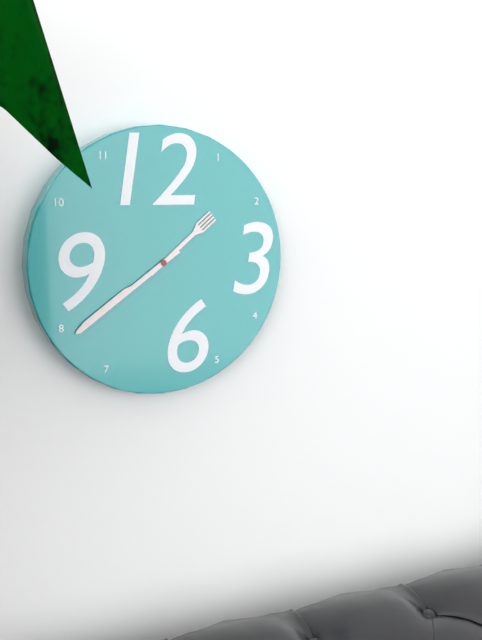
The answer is 1:39
